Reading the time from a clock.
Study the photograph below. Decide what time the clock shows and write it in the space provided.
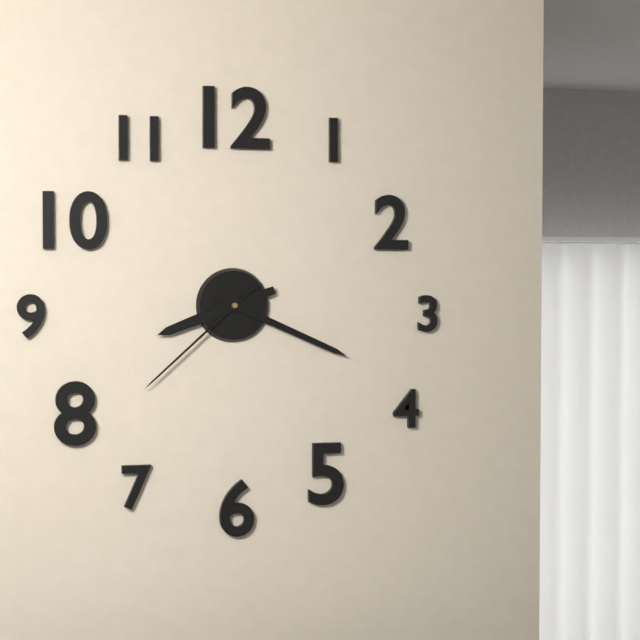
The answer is 8:19:38
